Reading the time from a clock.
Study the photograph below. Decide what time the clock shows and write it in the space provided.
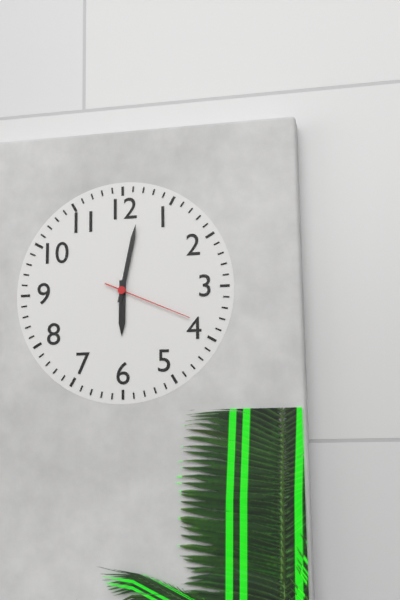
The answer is 6:02:19
